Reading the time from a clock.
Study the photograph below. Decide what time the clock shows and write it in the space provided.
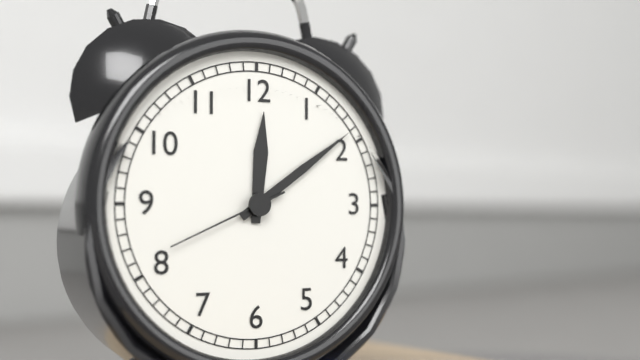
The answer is 12:09:41
